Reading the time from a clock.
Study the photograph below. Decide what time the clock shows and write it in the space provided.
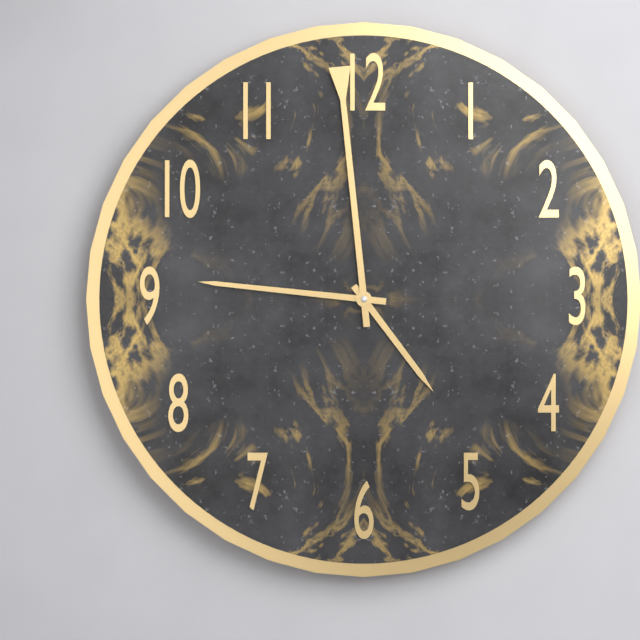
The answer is 4:46:59
